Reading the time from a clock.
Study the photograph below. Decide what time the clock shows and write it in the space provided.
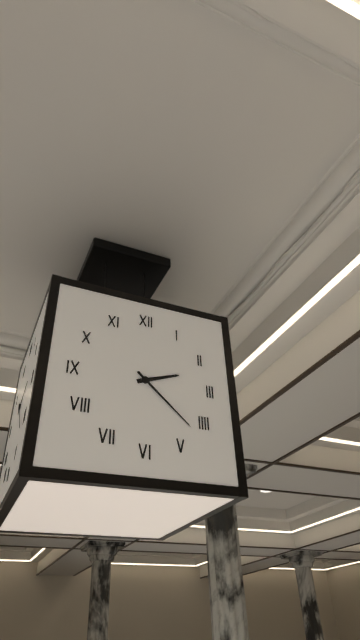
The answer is 2:22
